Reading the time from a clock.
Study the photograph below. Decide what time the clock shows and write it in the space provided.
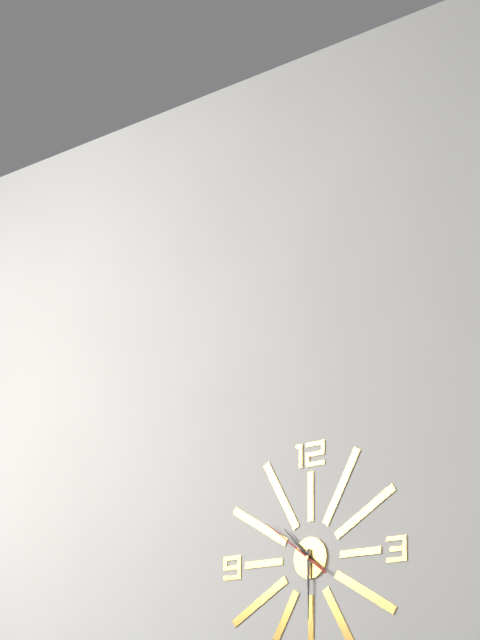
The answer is 10:30:51
